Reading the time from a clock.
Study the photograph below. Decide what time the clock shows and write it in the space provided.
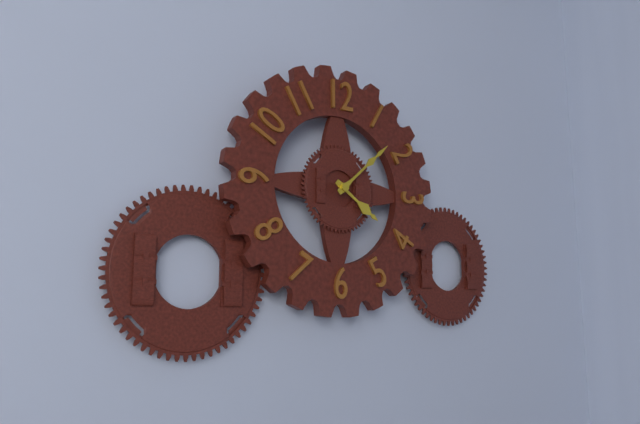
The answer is 4:08
